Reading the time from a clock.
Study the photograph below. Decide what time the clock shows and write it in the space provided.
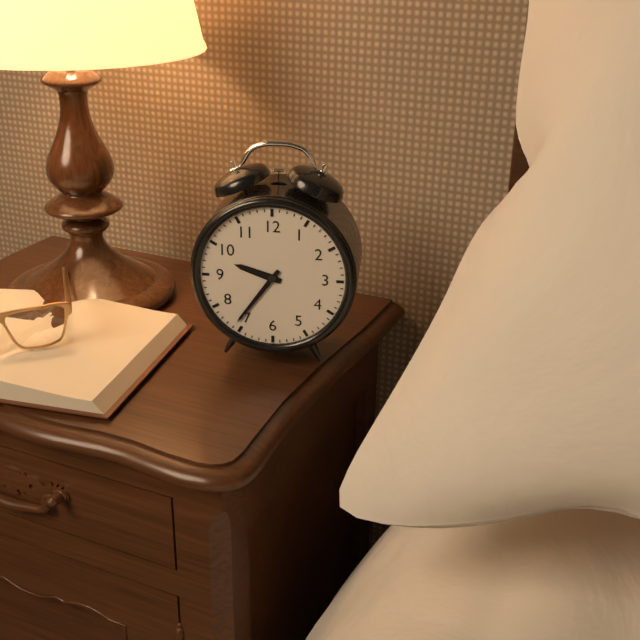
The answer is 9:36
